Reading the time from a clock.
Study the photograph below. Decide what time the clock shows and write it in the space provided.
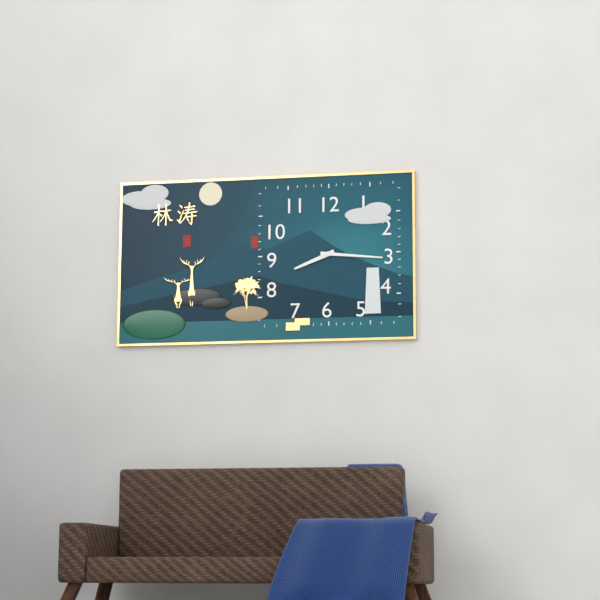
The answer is 8:16
